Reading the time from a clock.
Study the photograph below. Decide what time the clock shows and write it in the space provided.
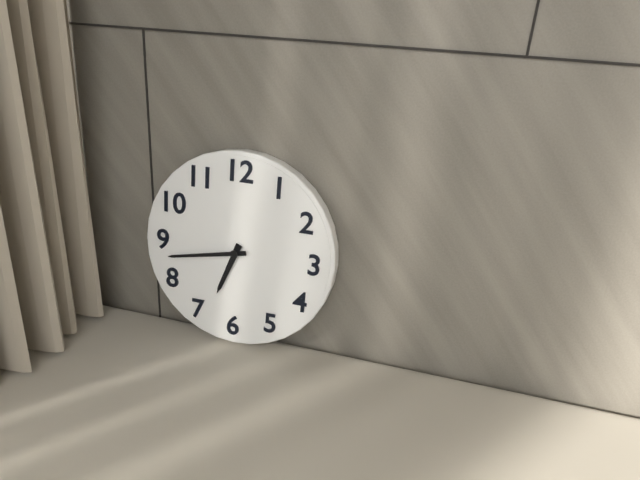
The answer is 6:43
